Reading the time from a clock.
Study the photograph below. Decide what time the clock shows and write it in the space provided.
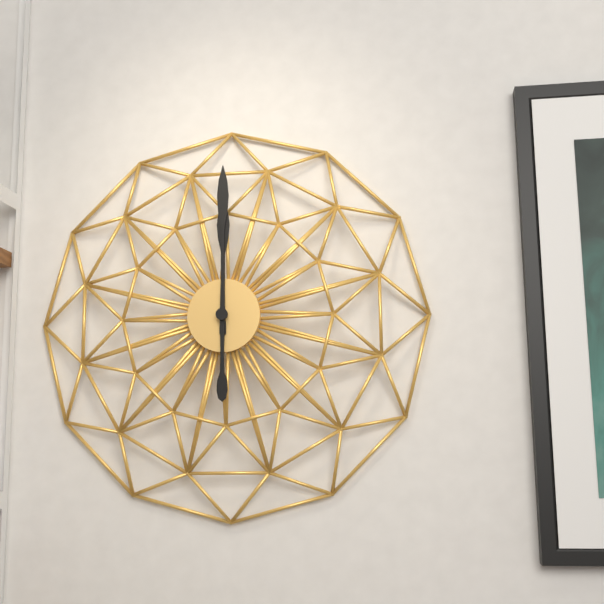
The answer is 12:00
